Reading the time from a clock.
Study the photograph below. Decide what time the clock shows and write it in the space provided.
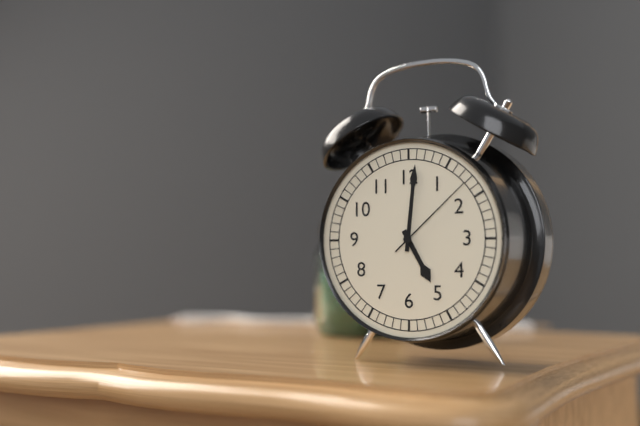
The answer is 5:01:08
